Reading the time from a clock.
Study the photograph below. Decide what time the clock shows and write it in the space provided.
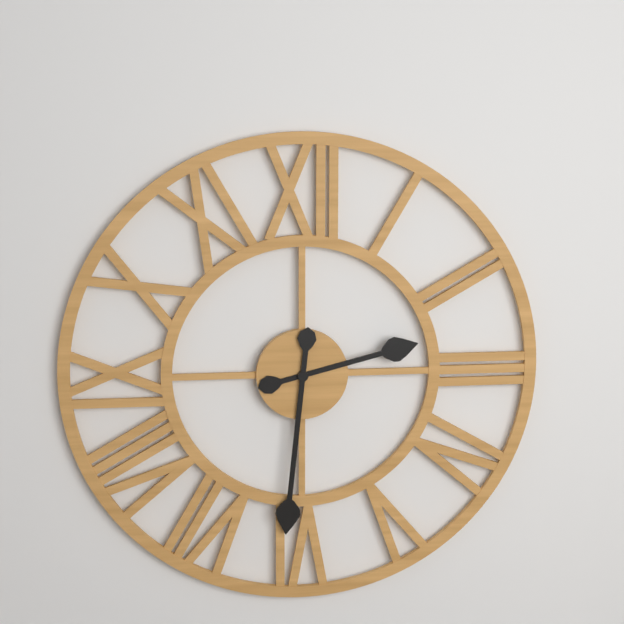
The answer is 2:31
